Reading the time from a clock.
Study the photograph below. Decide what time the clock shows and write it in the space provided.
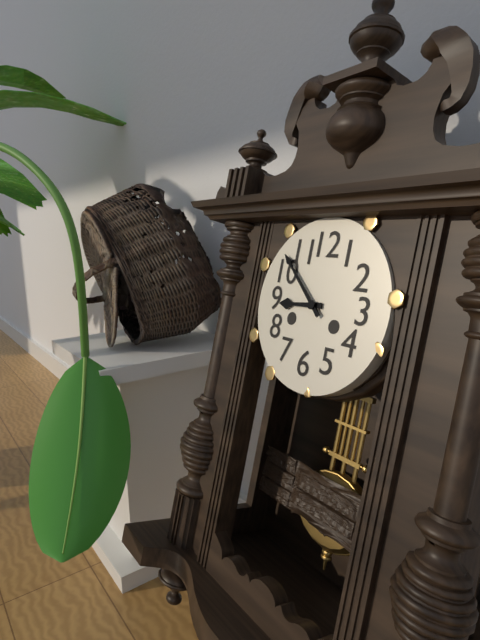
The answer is 8:52
